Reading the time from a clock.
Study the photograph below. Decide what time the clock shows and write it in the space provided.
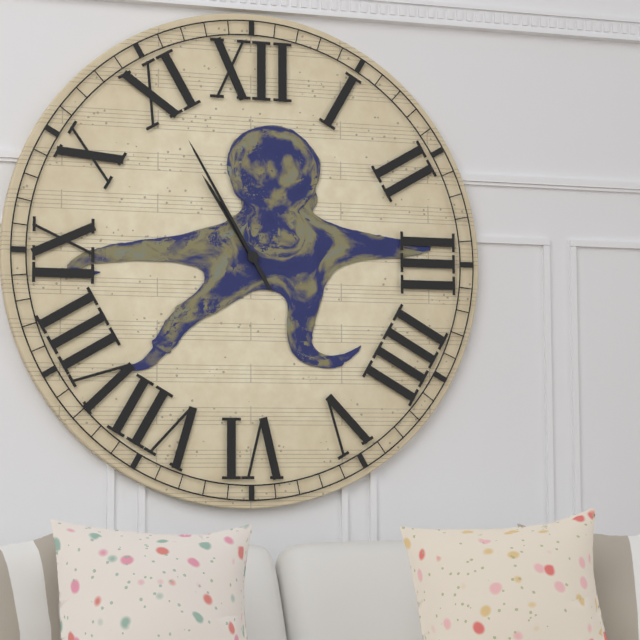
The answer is 10:55
